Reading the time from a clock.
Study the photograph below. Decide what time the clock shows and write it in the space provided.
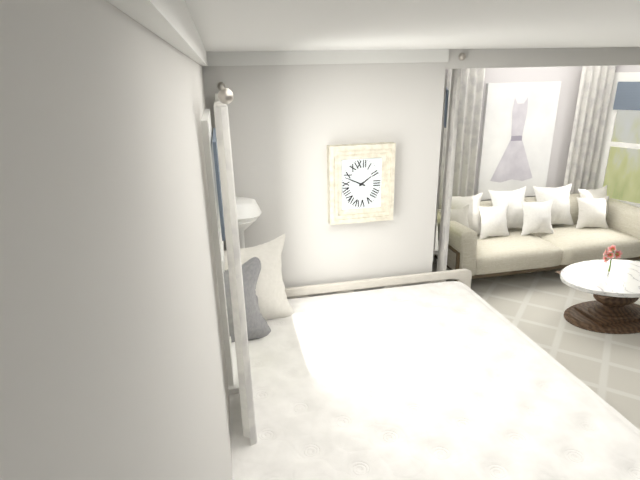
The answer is 1:49
